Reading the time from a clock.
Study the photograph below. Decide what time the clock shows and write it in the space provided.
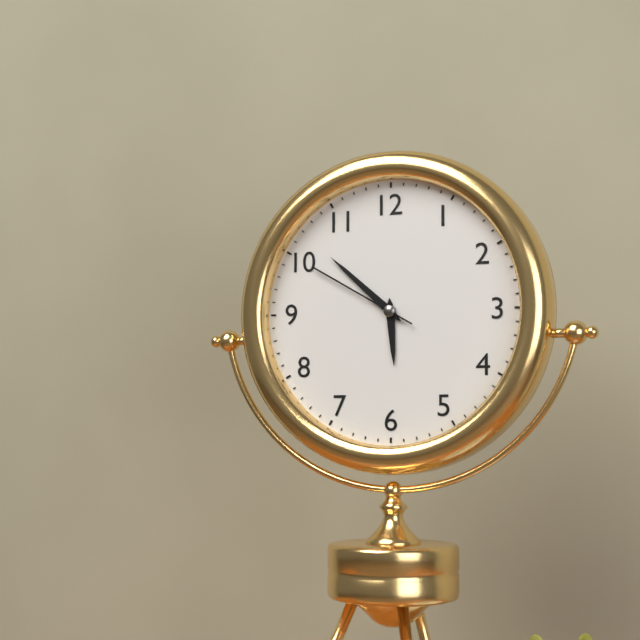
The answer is 5:52:50
